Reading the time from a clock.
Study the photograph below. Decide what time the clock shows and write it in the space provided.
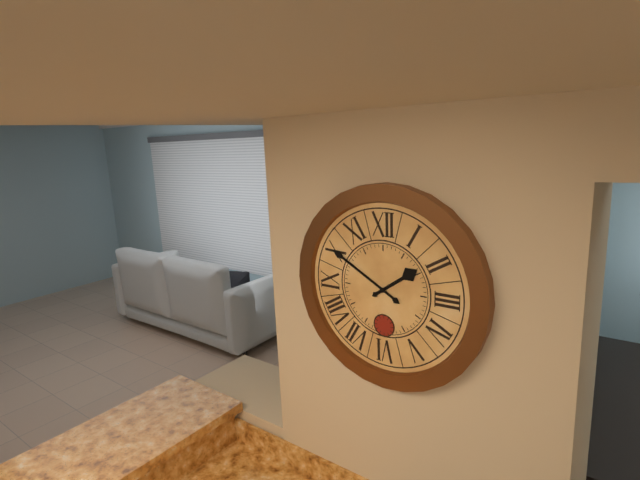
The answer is 1:50
